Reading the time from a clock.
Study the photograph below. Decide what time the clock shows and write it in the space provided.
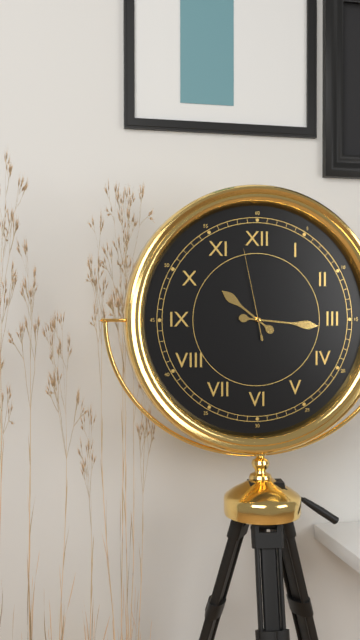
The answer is 10:16:58
